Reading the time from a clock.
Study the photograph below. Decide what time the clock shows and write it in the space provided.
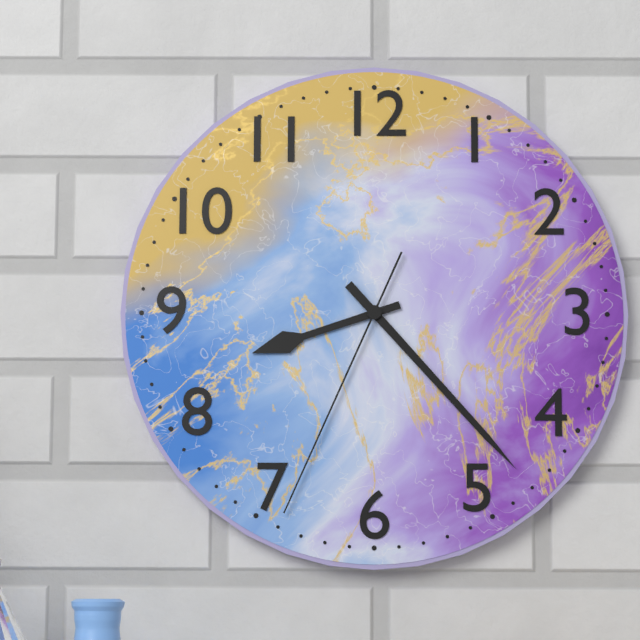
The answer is 8:23:34
